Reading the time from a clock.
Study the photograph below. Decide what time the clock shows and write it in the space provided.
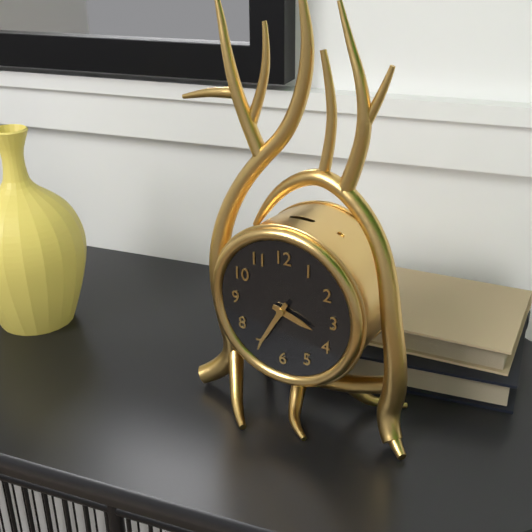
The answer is 3:35
